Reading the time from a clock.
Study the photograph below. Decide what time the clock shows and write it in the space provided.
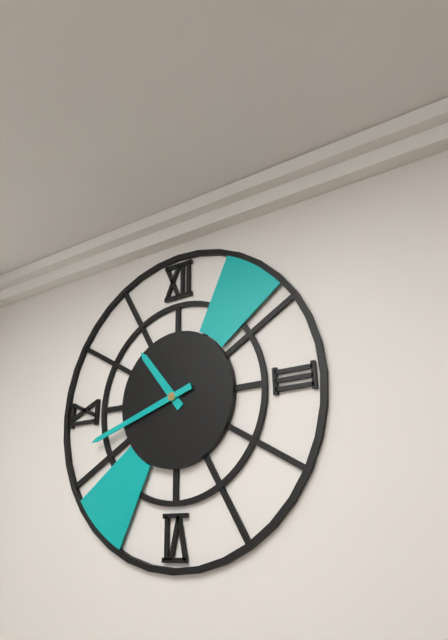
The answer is 10:42
